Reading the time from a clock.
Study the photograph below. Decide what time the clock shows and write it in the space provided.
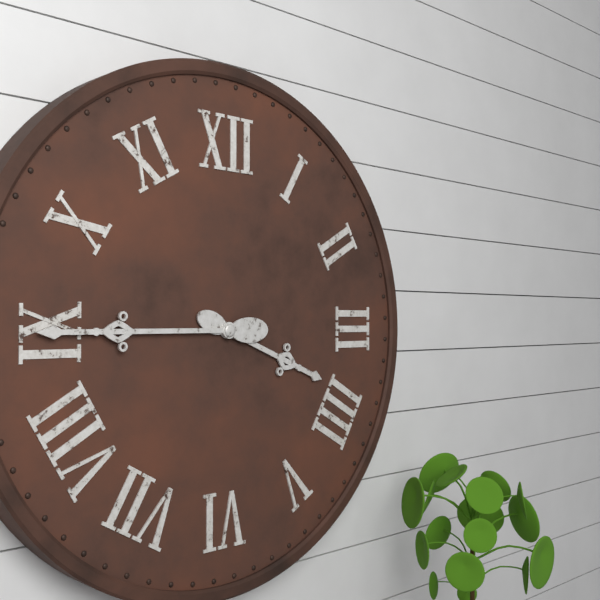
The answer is 3:45
